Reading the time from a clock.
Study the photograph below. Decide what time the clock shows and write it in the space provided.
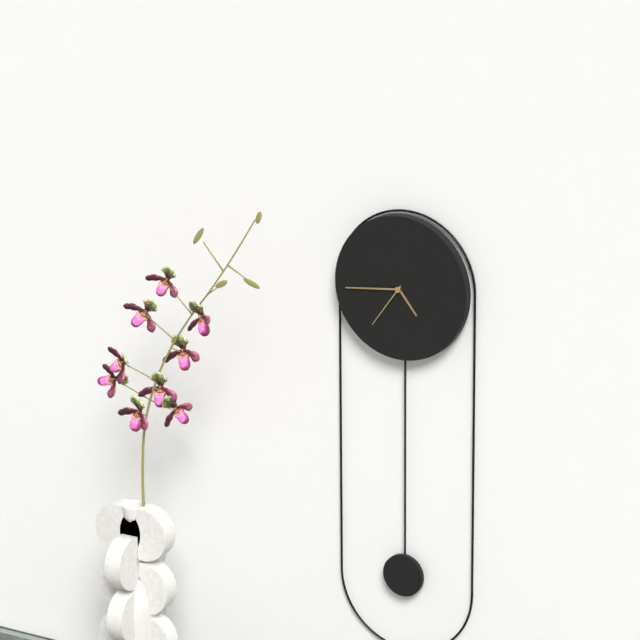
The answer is 4:44:36
